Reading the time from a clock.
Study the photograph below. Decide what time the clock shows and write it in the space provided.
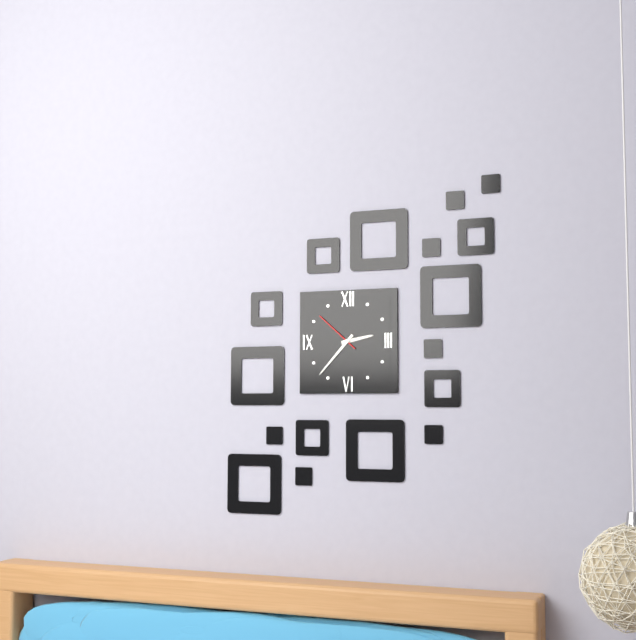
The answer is 2:37
